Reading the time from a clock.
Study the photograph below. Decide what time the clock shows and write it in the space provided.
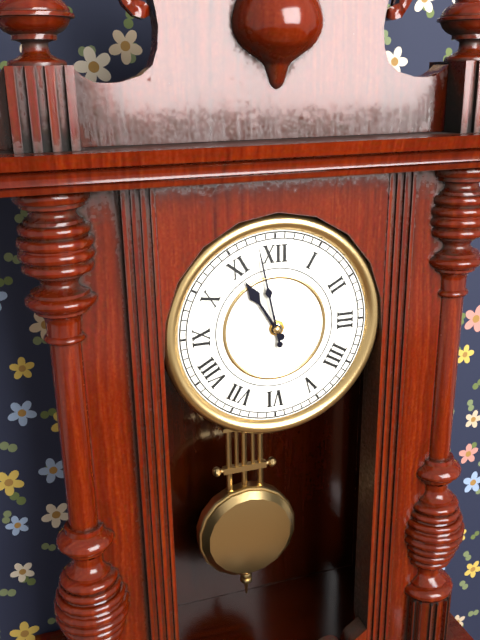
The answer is 10:58
